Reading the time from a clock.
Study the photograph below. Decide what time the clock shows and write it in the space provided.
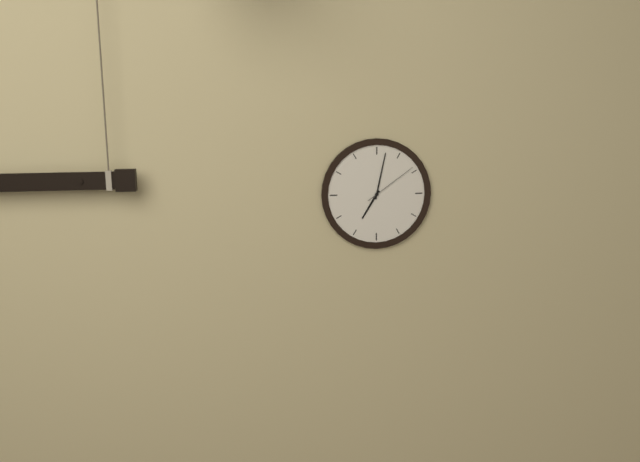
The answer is 7:02:09
